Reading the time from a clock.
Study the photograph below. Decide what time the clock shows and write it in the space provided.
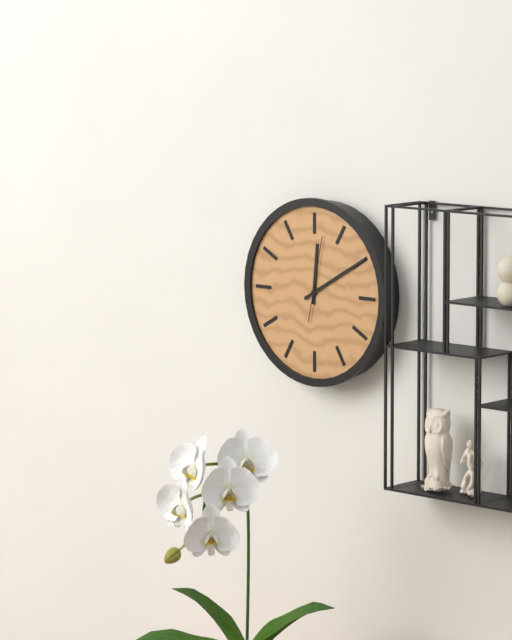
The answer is 12:10:02
